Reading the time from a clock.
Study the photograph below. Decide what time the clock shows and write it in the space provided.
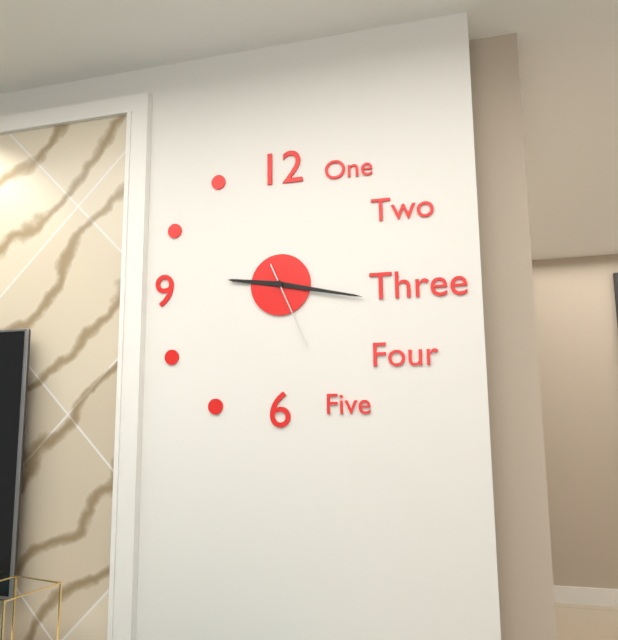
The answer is 9:17:26
